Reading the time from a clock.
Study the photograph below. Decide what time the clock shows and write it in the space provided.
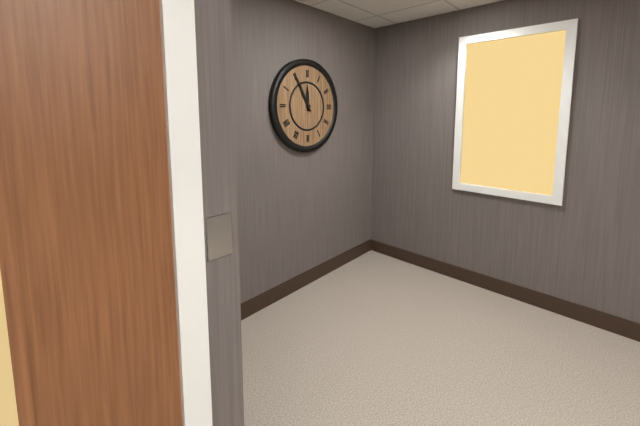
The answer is 11:55
